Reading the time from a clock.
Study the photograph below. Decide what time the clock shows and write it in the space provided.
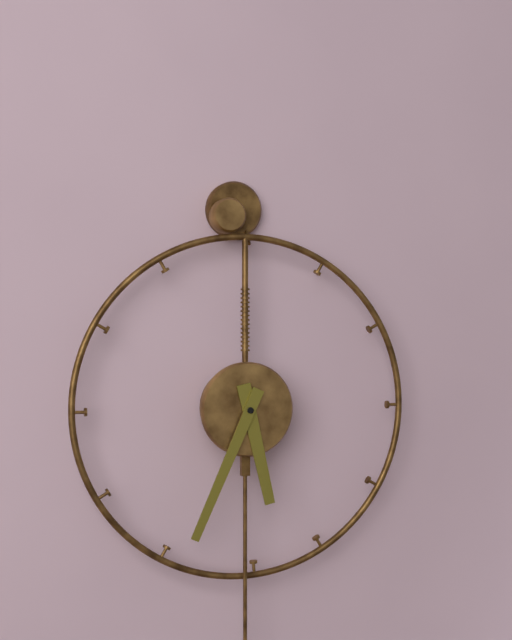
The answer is 5:34
